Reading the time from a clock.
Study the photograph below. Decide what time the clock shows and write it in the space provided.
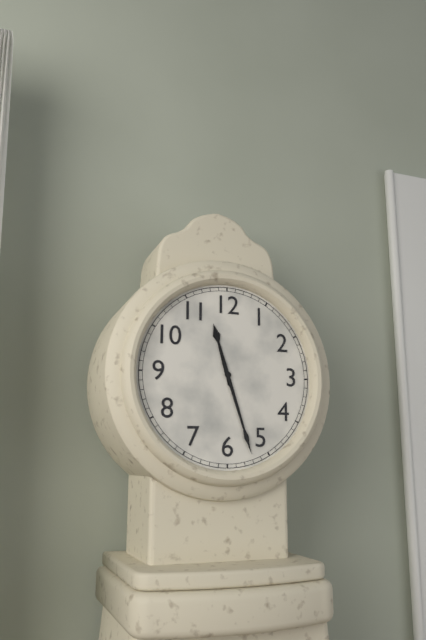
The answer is 11:27
